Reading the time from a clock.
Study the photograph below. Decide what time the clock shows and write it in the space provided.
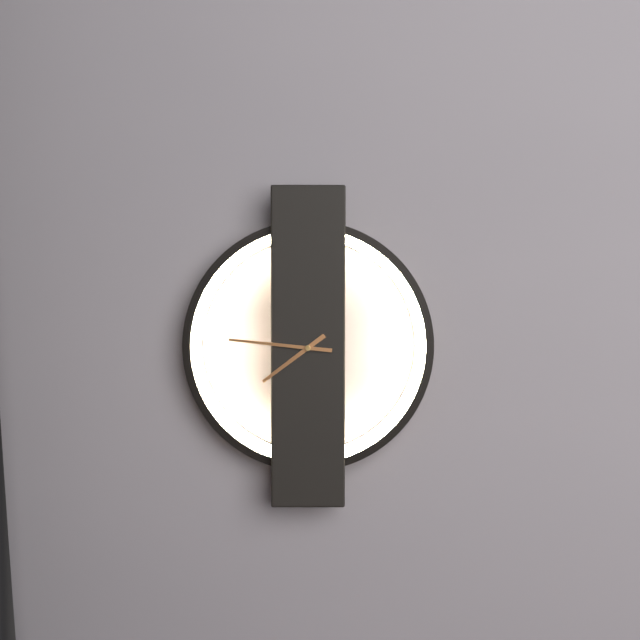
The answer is 7:46
